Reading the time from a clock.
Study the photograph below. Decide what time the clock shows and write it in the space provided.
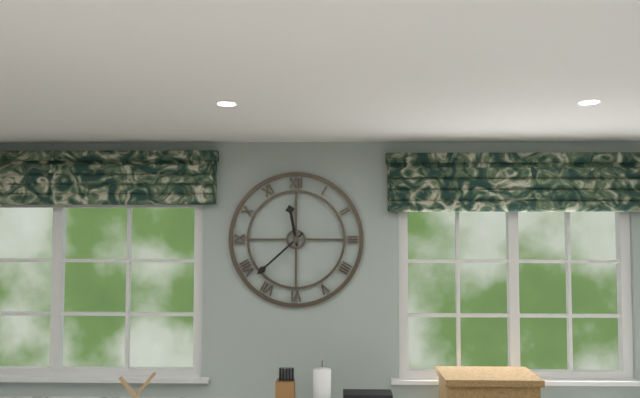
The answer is 11:38
